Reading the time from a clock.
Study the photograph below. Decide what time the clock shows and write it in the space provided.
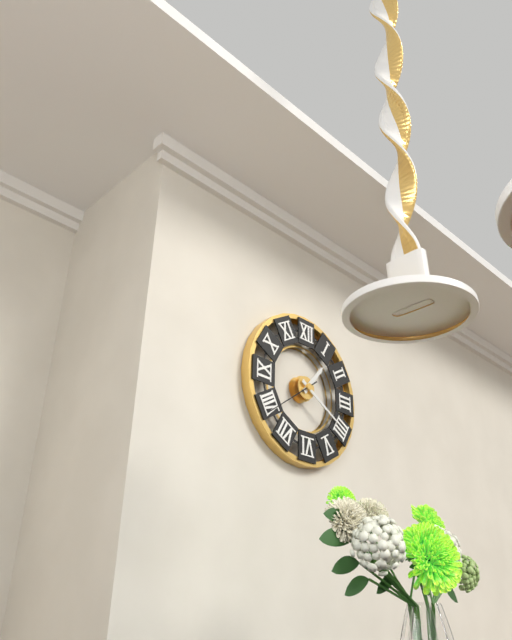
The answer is 1:20:39
